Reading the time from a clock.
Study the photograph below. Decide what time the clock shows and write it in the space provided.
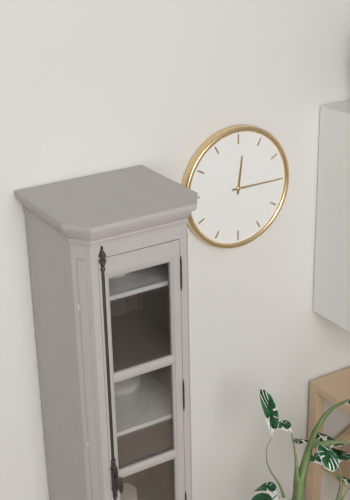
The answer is 12:15
